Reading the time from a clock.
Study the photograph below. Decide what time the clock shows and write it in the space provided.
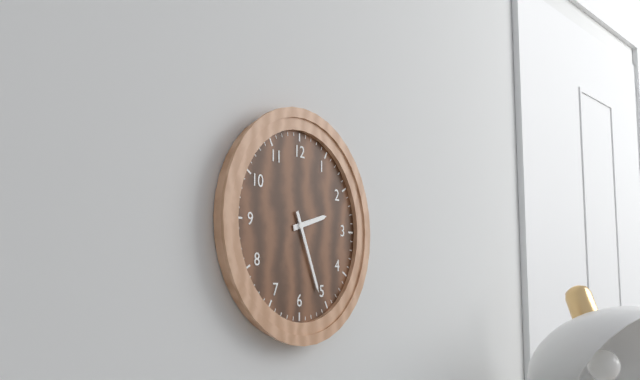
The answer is 2:26
